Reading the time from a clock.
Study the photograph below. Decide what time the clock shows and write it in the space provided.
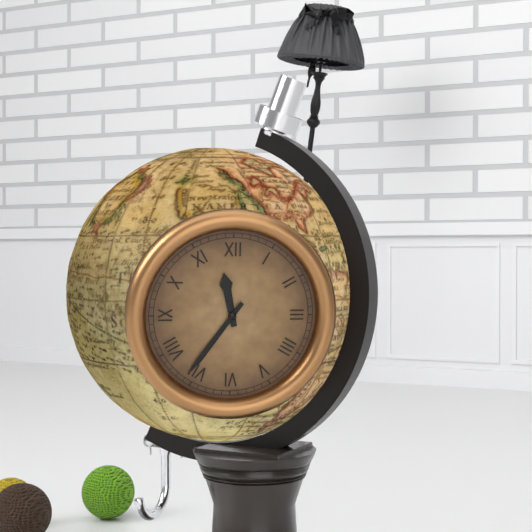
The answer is 11:36
